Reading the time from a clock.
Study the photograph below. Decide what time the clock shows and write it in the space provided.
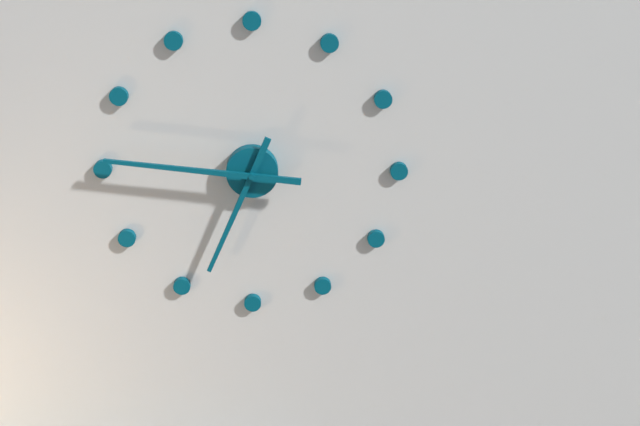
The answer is 6:46
